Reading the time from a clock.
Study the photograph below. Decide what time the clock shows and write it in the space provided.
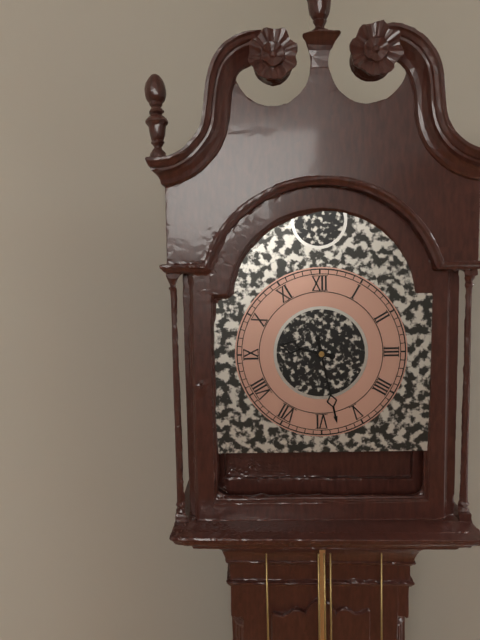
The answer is 9:28
